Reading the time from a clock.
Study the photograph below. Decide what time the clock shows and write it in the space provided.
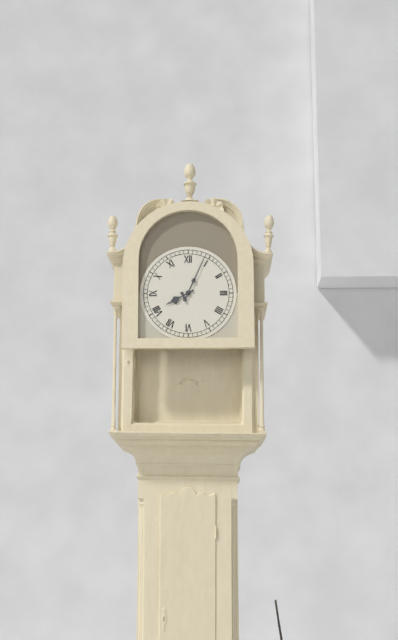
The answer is 8:04
